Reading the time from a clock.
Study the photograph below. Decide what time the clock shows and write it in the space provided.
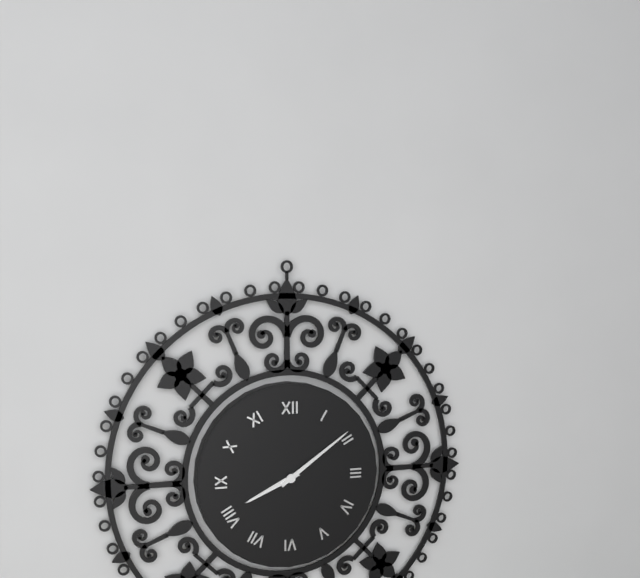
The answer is 8:09
